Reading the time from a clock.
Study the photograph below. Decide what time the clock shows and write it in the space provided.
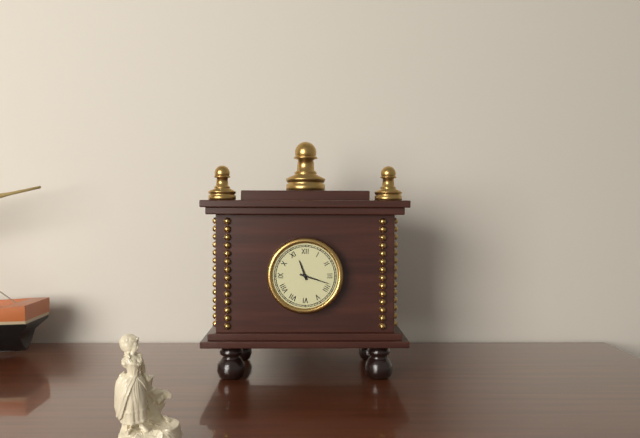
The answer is 11:18
